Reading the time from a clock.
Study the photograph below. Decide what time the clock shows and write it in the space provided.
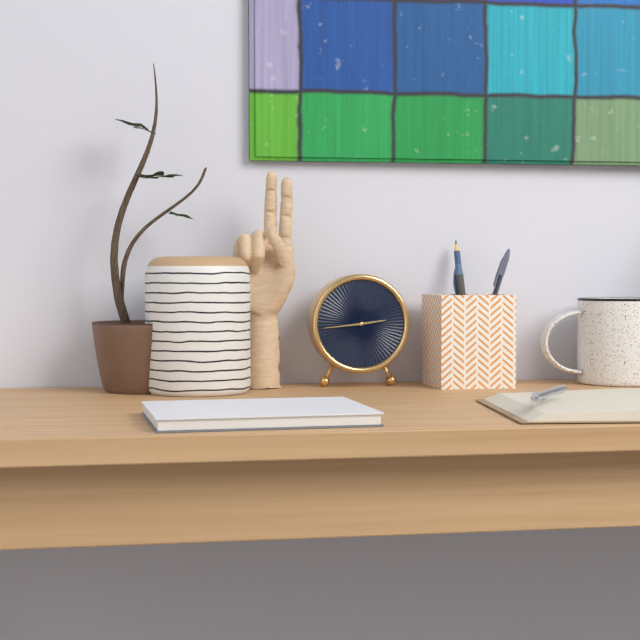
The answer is 2:44
